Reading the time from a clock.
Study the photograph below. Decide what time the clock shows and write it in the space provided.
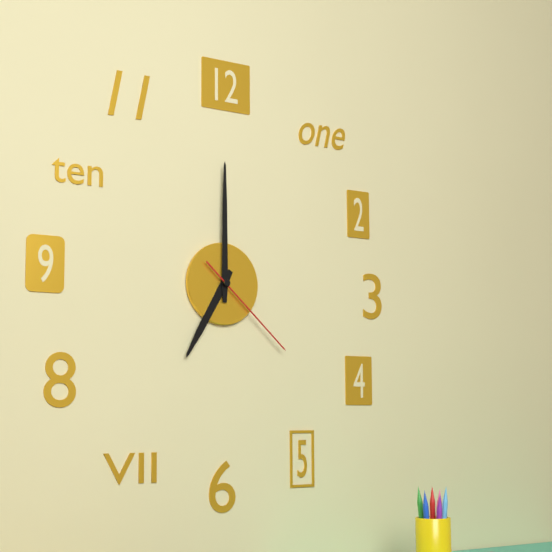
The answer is 7:00:22
